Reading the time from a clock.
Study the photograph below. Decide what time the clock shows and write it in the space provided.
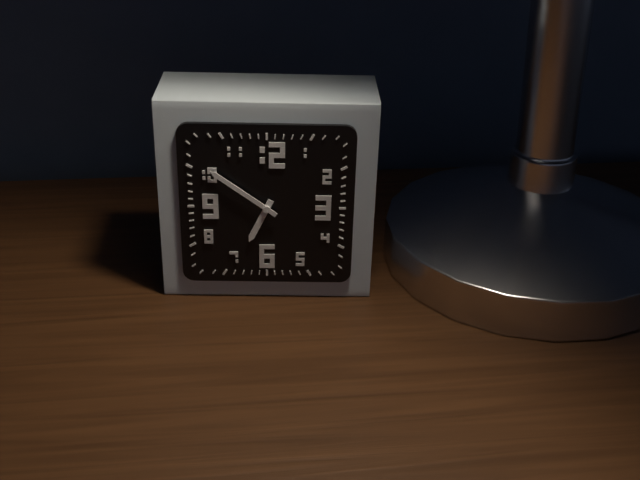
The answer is 6:51
